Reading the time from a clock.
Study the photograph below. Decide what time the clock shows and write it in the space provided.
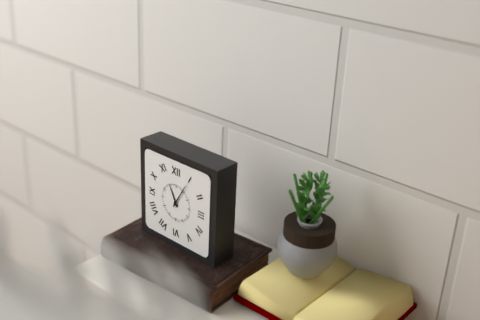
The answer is 11:05
